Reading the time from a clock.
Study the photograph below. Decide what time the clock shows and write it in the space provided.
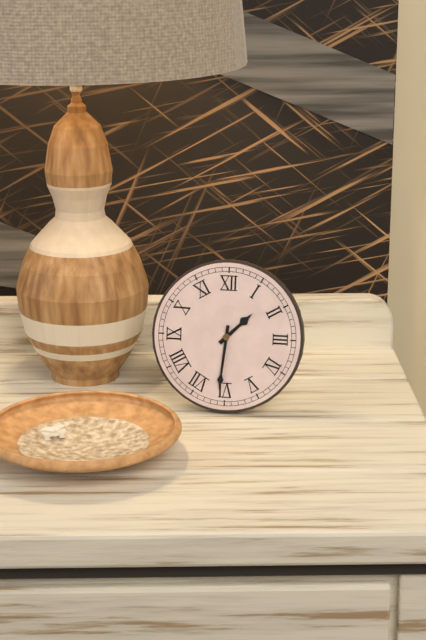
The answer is 1:31
